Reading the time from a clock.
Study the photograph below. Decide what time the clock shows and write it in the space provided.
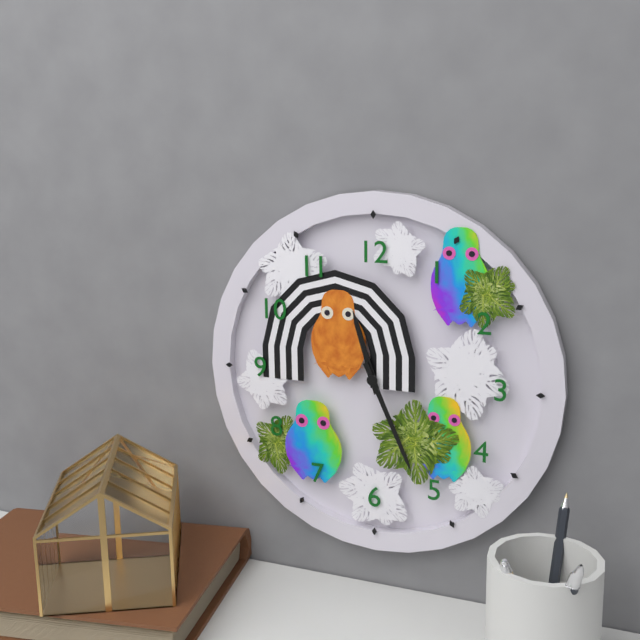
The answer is 11:26
